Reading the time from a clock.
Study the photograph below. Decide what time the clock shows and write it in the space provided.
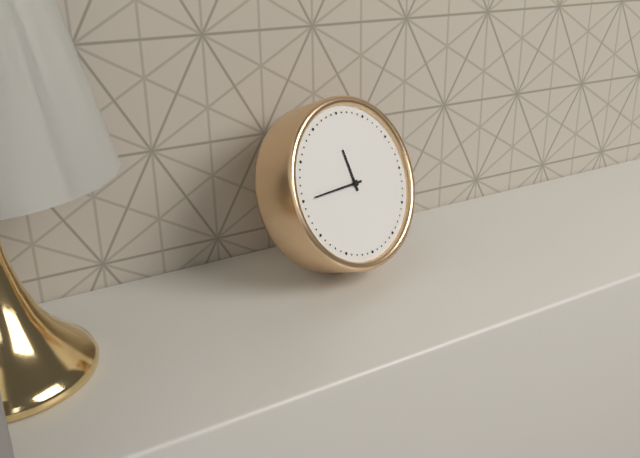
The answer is 11:45
